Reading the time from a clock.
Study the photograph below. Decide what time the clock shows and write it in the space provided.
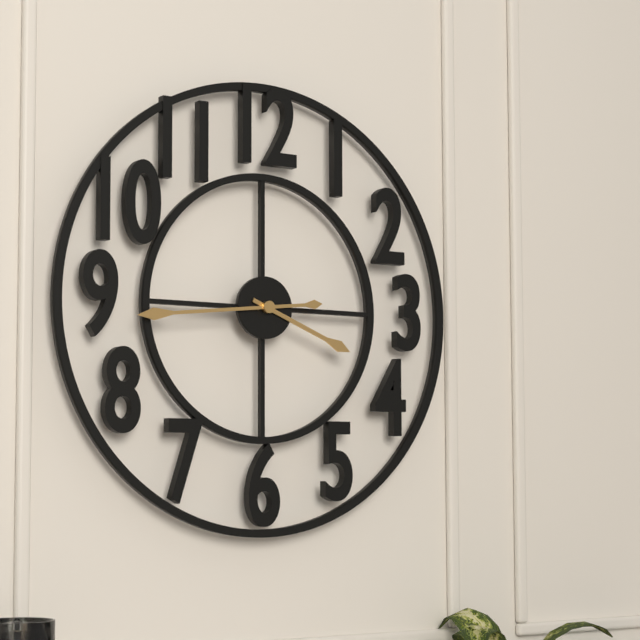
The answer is 3:44
